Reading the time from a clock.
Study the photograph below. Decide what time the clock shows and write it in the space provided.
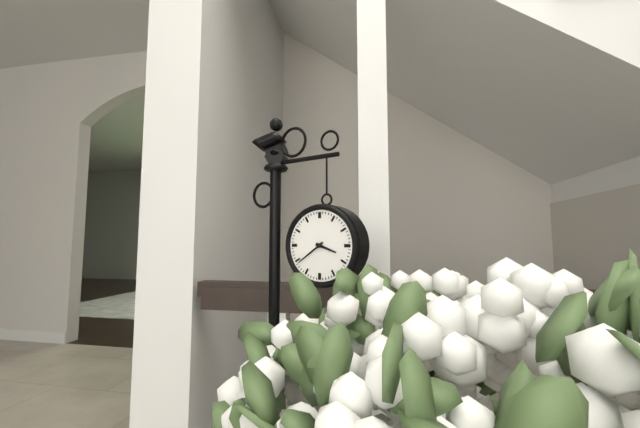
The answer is 3:39
